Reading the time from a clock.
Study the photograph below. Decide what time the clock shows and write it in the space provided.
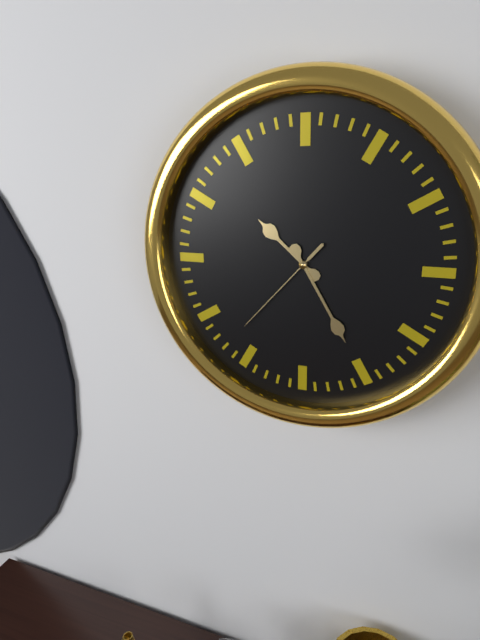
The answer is 10:25:37
